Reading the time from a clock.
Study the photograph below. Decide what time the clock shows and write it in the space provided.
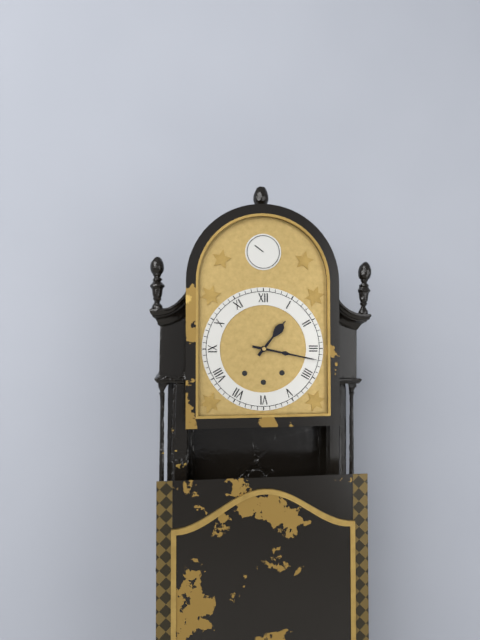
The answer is 1:17
